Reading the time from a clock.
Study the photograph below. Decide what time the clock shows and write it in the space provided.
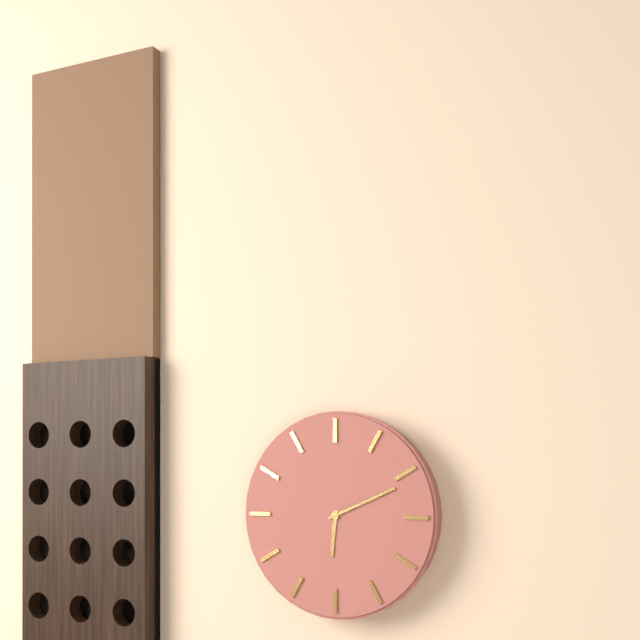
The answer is 6:11
